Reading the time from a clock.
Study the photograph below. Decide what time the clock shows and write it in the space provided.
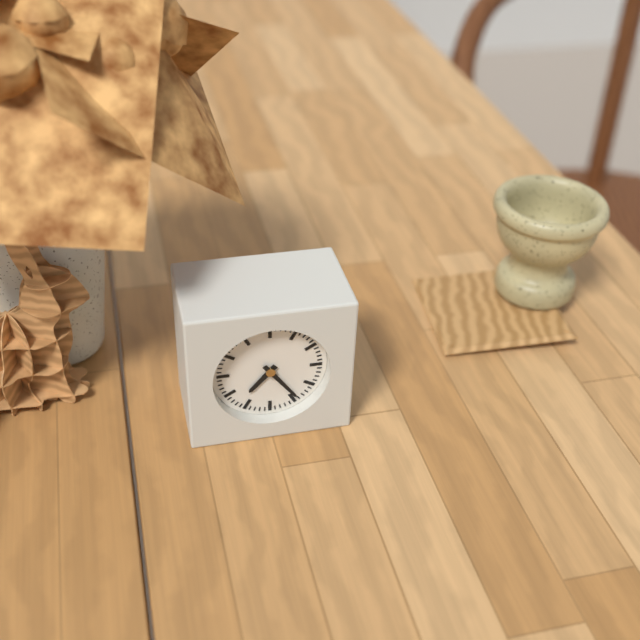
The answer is 7:24
